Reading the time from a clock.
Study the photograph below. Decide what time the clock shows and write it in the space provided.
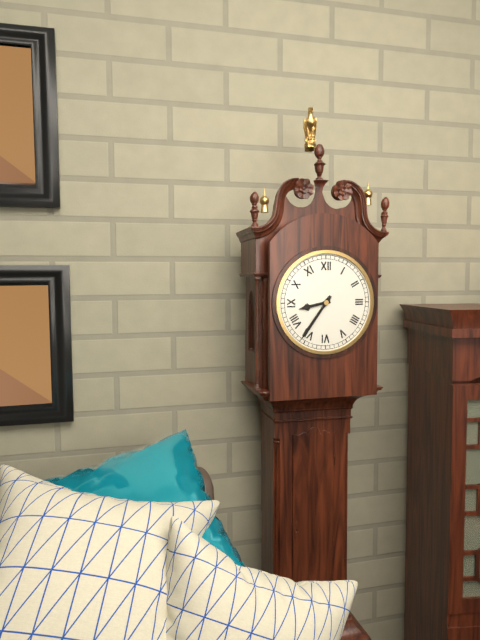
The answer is 8:36
